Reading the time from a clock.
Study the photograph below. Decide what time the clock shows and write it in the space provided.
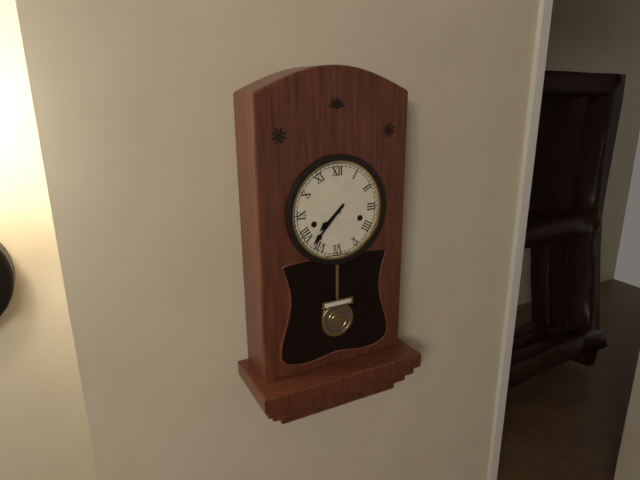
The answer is 7:37
